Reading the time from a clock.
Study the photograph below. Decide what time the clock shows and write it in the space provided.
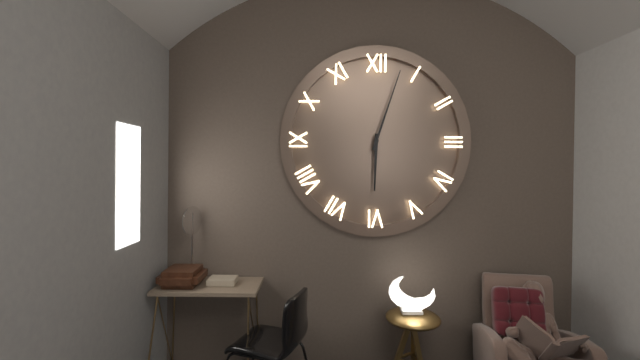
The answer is 6:03
